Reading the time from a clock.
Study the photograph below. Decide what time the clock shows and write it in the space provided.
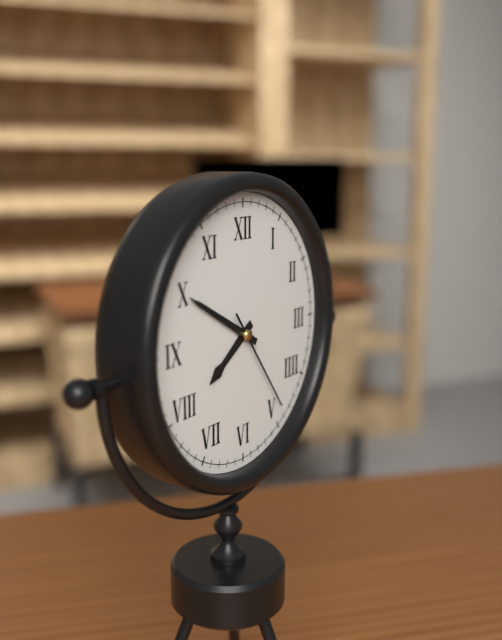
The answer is 7:50:24
